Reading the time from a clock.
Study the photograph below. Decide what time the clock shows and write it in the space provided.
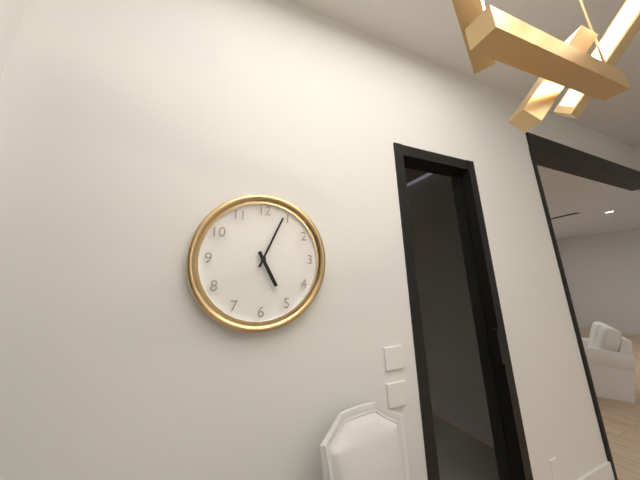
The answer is 5:04
